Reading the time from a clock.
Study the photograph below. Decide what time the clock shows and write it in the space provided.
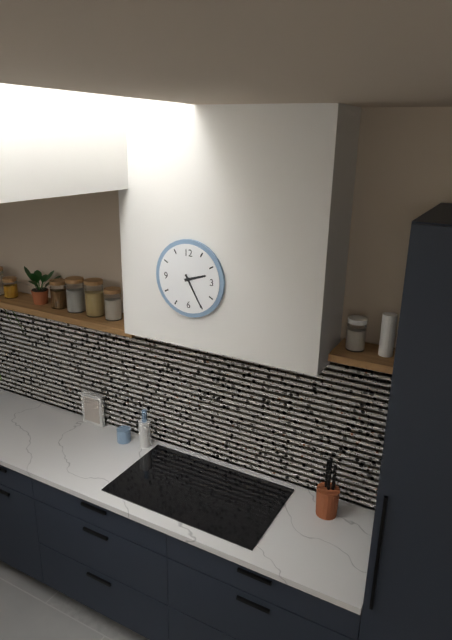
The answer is 2:25
